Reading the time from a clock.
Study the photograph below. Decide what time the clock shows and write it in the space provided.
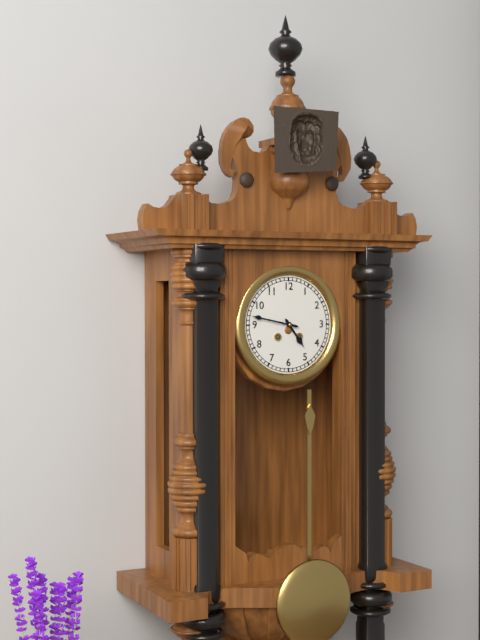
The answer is 4:47
